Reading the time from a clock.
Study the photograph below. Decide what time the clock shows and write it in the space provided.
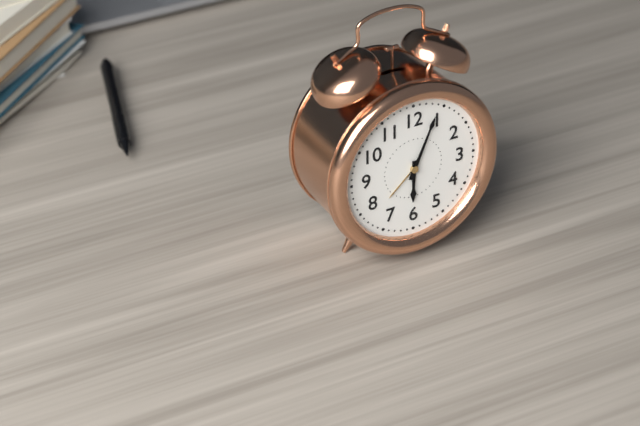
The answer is 6:04
